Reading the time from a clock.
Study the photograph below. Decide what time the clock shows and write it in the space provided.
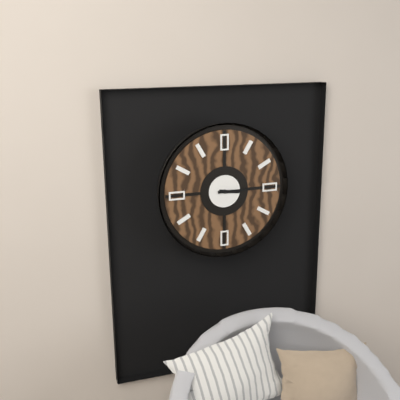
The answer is 3:15
